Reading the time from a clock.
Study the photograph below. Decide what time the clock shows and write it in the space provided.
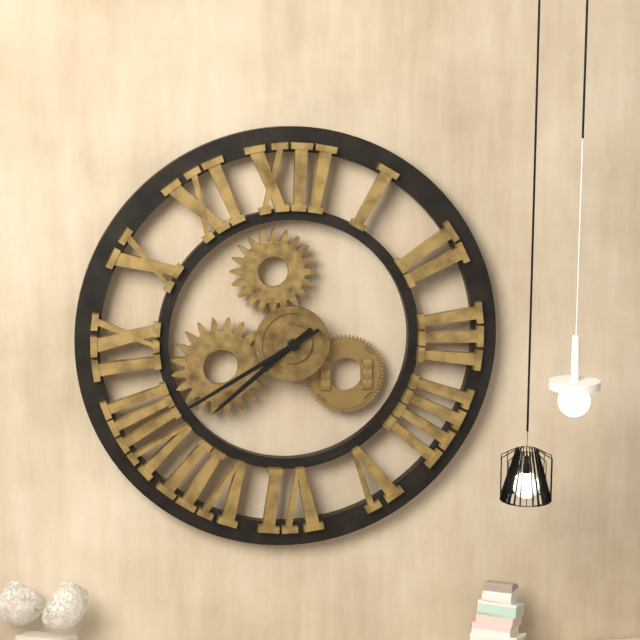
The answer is 7:40
